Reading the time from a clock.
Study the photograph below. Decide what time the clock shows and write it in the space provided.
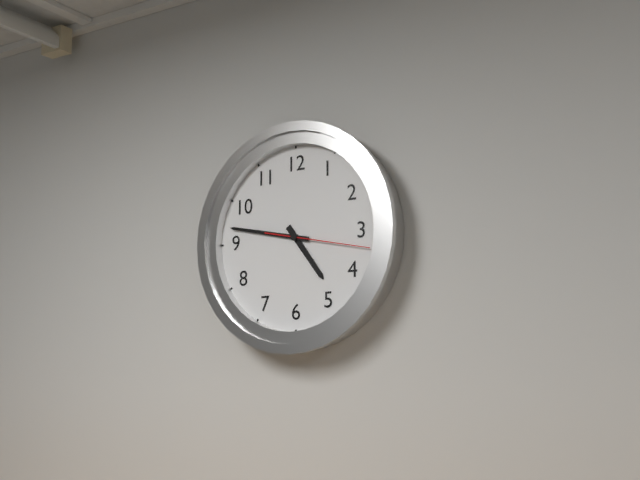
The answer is 4:47:17
